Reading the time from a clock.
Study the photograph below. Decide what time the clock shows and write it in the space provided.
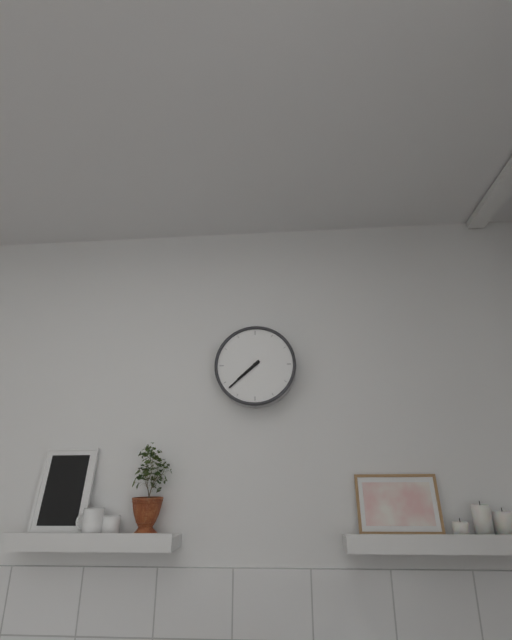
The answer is 7:38
